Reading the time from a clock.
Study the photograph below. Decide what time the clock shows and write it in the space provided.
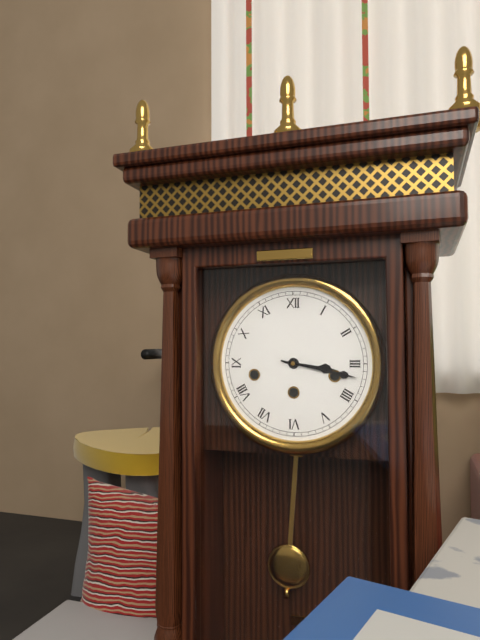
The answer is 3:17
